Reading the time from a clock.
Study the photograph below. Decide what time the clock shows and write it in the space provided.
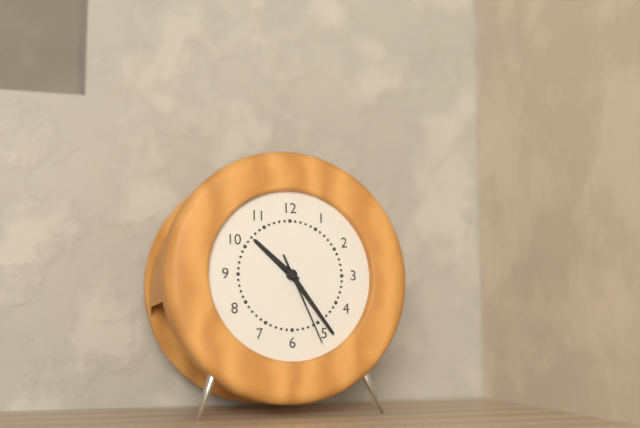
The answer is 10:24:26
